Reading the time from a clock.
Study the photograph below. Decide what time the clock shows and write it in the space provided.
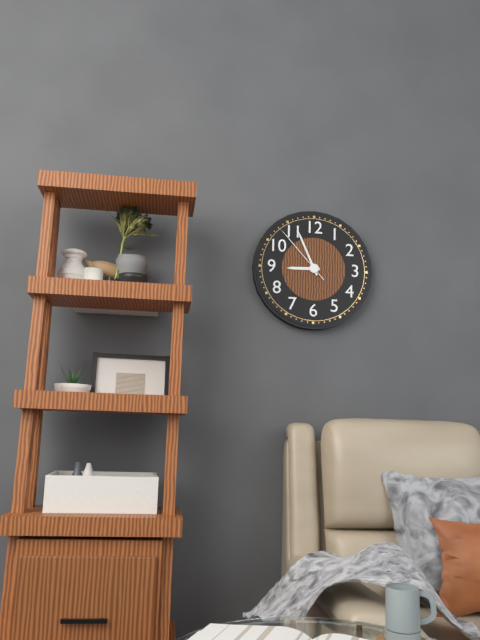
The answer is 8:56:53
